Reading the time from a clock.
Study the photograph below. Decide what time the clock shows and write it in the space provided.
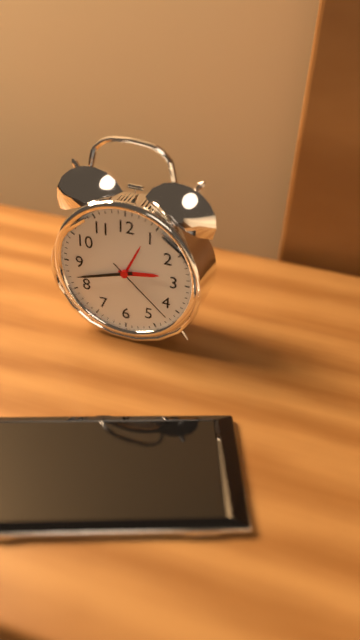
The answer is 2:42:22
